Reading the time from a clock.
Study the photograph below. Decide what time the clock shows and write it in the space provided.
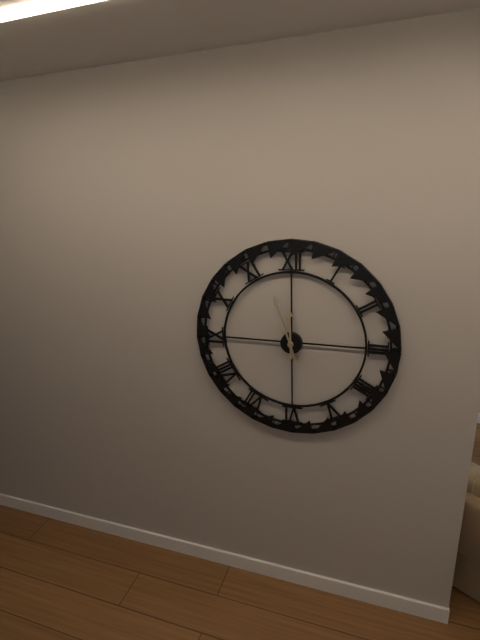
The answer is 11:57
